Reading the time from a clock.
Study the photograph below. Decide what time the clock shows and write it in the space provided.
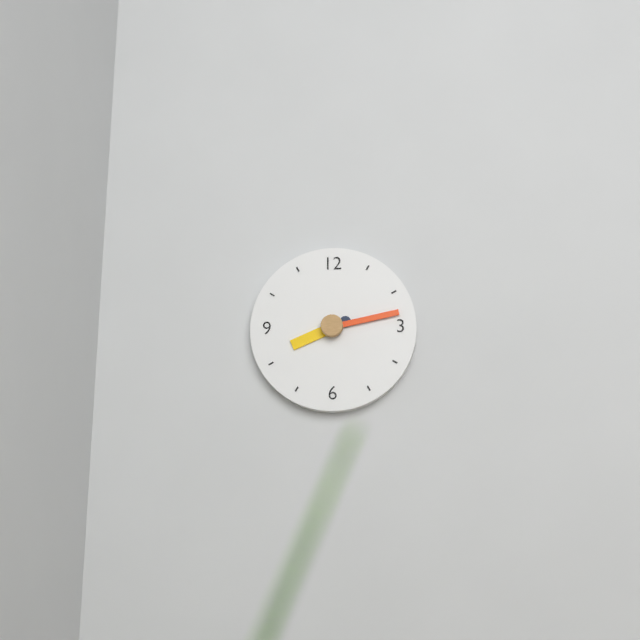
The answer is 8:13
